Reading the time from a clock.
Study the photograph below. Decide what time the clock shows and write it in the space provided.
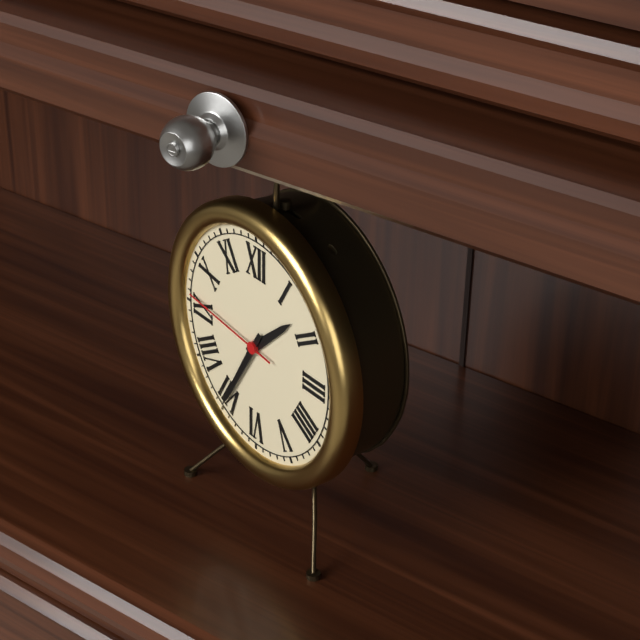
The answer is 1:35:46
